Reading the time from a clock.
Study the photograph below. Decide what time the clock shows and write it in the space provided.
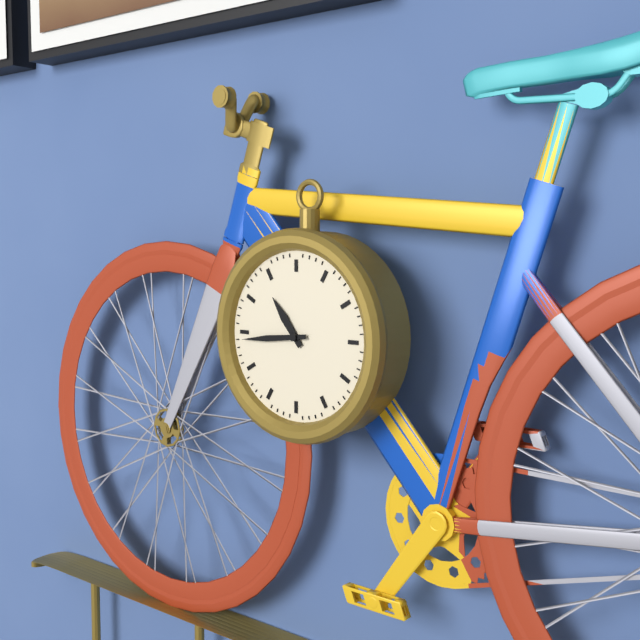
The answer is 10:44
